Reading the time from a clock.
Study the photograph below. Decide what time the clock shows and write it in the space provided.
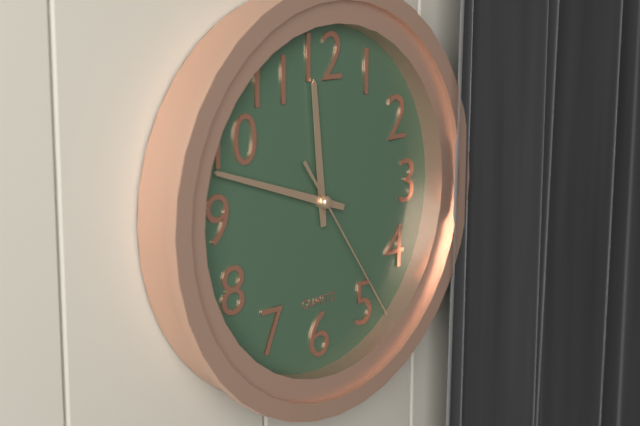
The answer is 11:48:24
